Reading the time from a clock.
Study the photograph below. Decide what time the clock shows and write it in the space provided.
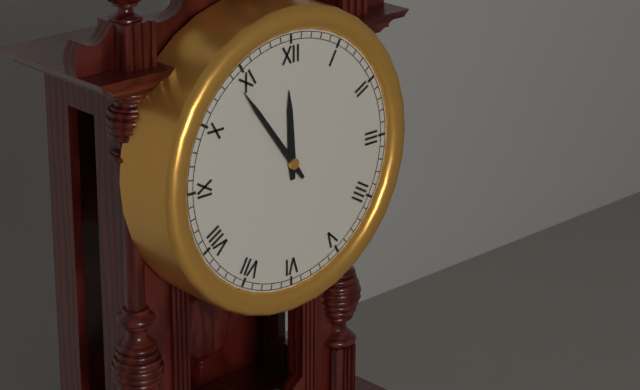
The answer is 11:54
